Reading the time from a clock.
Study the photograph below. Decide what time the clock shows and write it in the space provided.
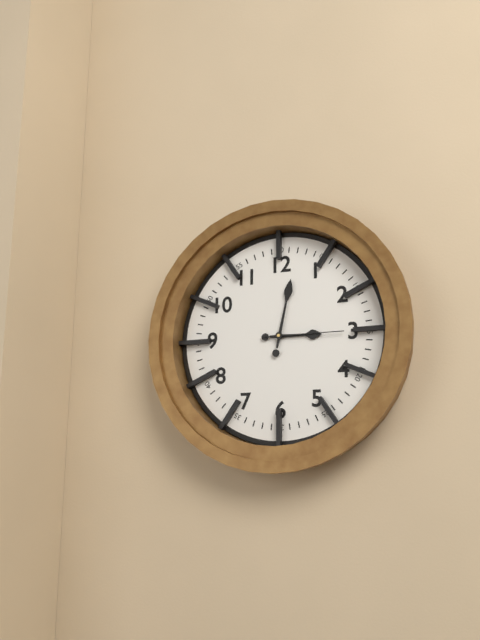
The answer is 3:02:15
